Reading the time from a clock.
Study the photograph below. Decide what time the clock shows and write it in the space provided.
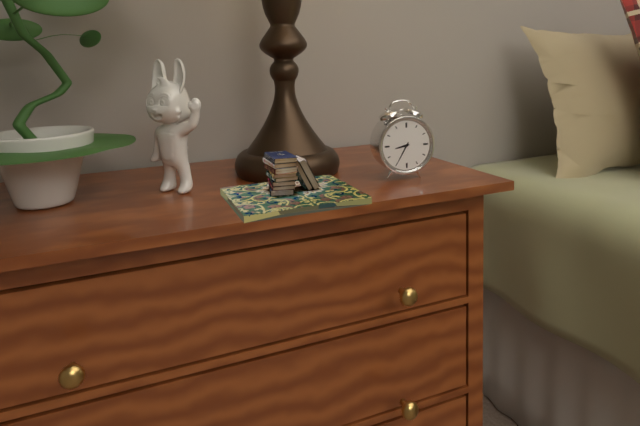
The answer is 8:35
